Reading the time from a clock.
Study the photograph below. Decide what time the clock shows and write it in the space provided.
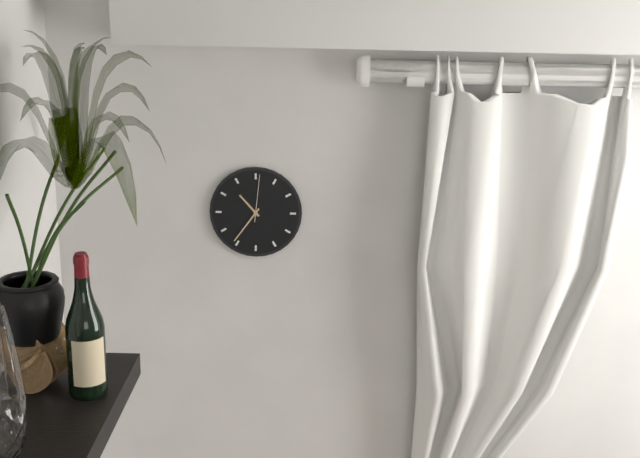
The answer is 10:36
